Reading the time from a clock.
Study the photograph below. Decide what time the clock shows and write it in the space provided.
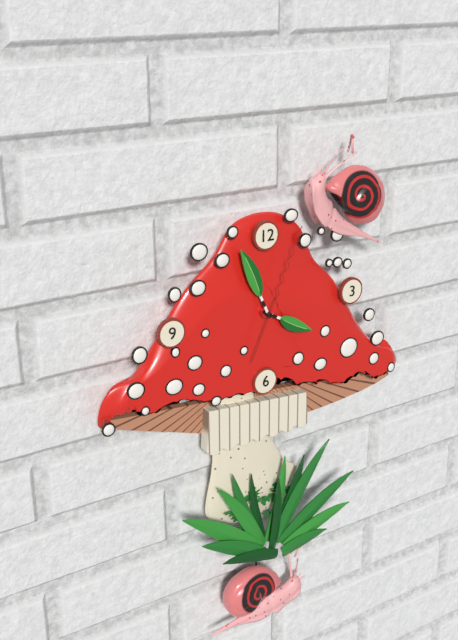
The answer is 3:56:04
